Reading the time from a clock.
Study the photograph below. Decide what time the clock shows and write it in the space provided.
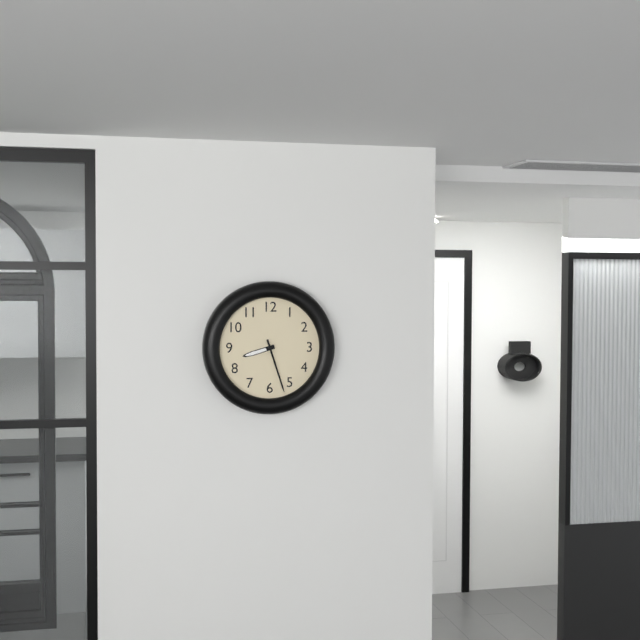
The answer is 8:27
